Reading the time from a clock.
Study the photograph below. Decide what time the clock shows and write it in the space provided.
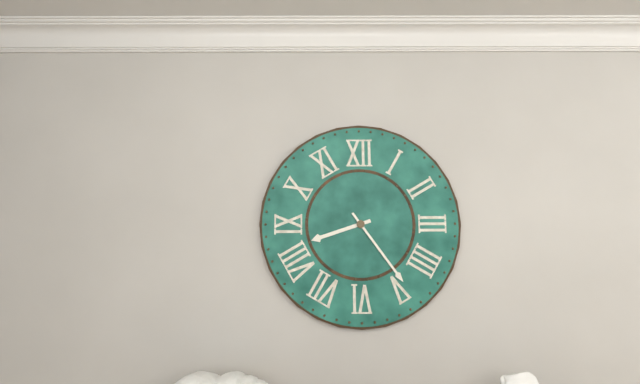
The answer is 8:24
